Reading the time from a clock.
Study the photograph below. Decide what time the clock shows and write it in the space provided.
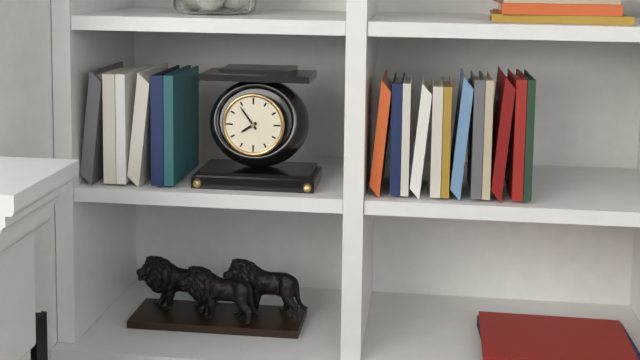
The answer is 7:54
